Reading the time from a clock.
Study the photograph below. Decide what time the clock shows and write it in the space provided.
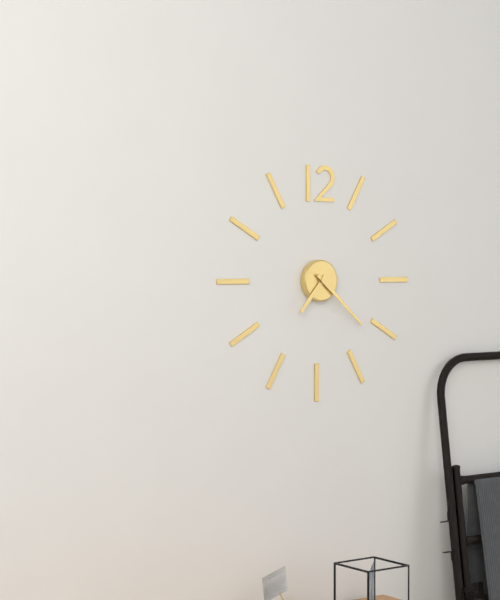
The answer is 7:22
